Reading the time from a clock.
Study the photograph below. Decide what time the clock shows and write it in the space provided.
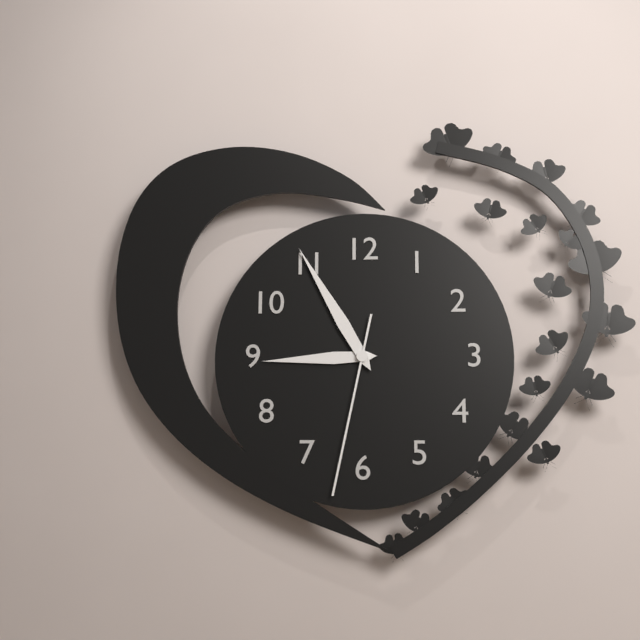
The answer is 8:55:32
